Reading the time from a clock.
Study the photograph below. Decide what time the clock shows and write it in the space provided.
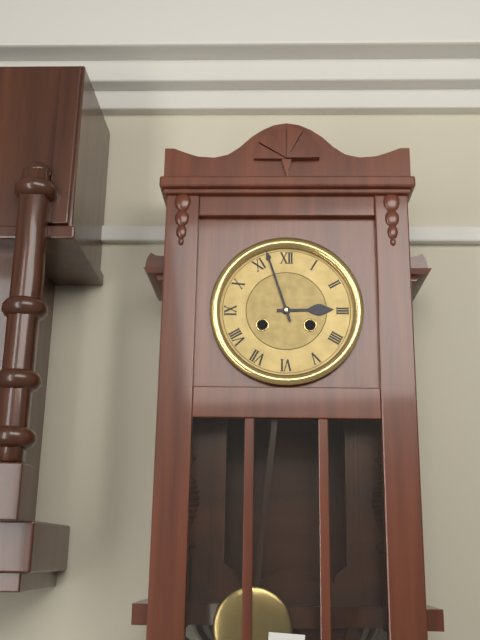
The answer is 2:57
